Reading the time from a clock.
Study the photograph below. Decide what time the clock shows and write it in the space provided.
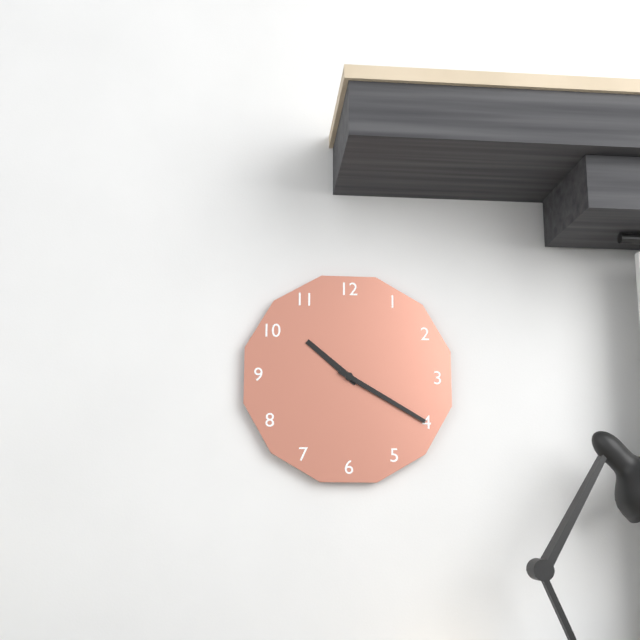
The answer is 10:20
